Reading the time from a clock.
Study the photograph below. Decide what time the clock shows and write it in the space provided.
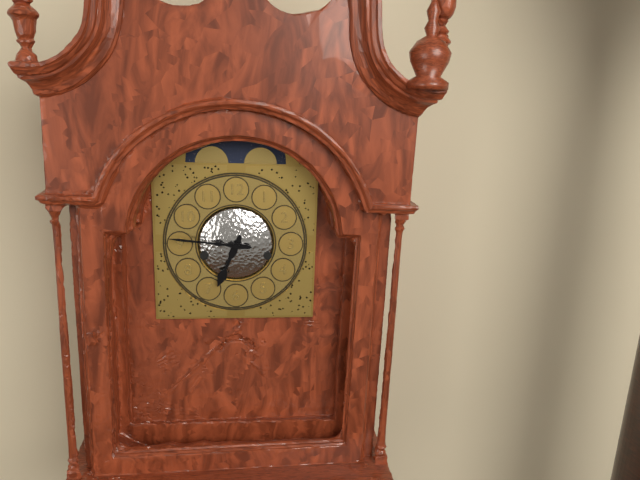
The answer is 6:46
